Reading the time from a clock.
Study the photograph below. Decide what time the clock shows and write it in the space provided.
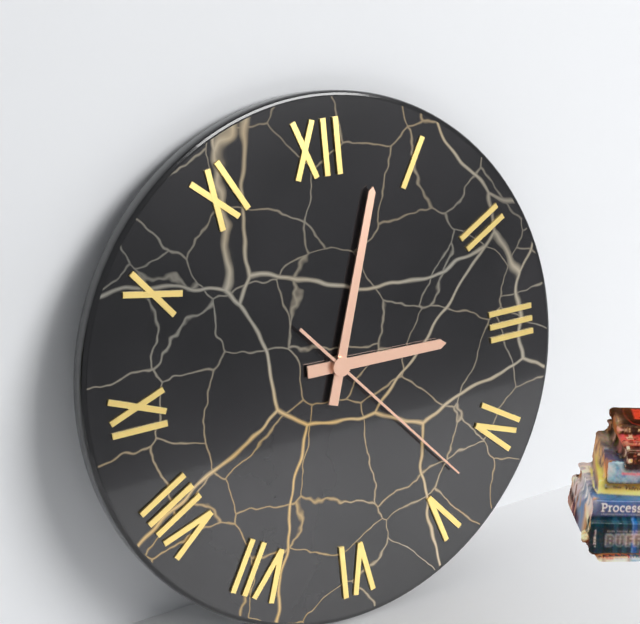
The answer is 3:03:23
